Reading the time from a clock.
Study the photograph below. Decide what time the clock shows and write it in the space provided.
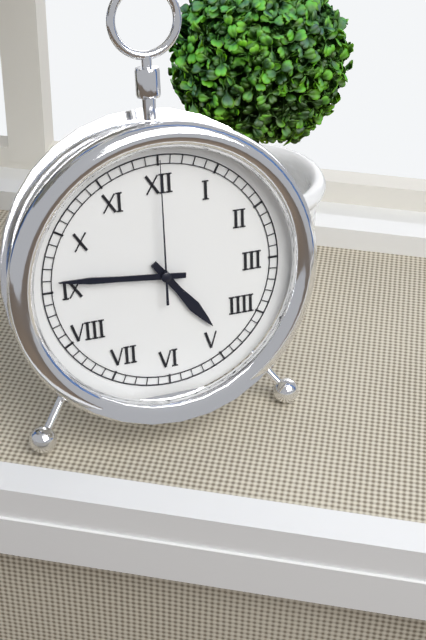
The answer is 4:46:00
